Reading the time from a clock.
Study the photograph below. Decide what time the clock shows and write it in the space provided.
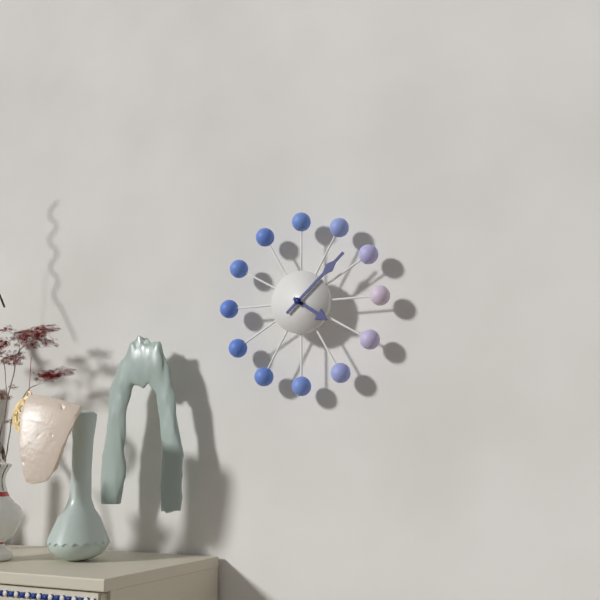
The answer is 4:08
